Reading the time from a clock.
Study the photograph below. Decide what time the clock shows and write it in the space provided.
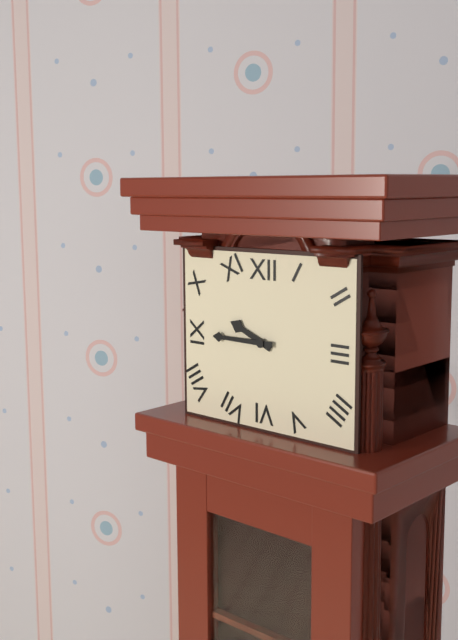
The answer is 9:45
